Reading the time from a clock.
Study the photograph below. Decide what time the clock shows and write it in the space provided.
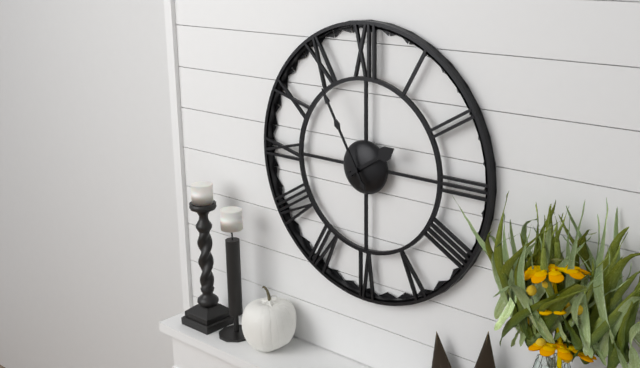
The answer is 1:55
